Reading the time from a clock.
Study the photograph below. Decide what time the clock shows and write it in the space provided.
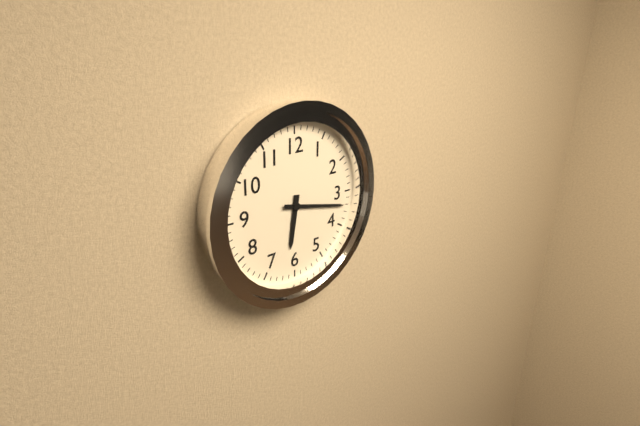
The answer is 6:17
